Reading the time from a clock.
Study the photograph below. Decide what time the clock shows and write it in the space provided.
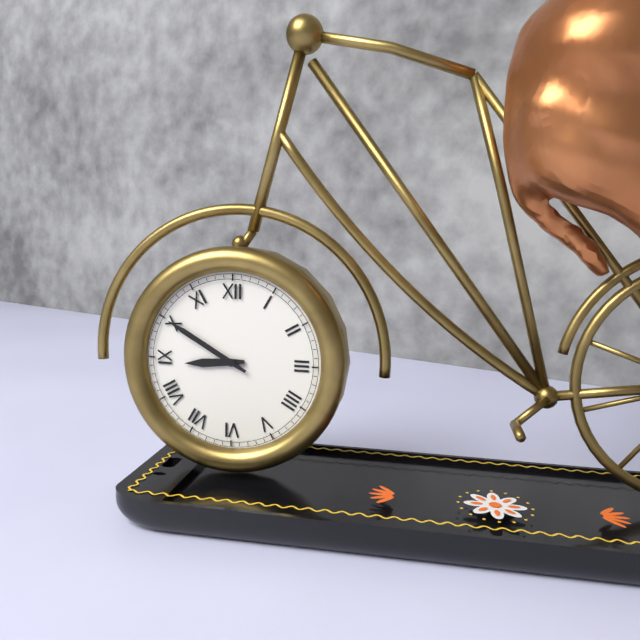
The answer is 8:50
